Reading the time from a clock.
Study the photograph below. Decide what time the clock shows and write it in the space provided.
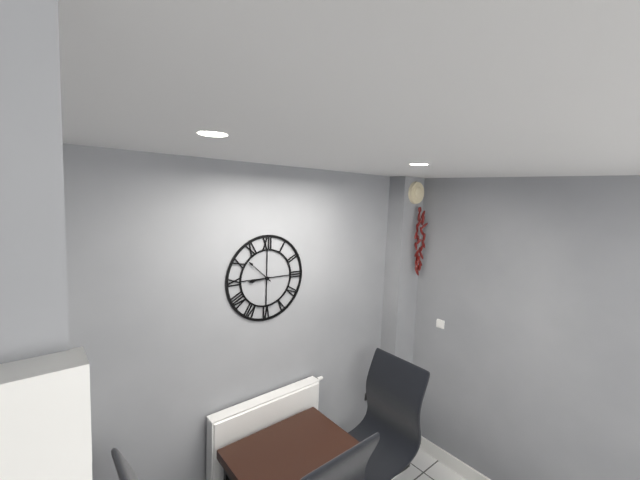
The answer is 8:52
